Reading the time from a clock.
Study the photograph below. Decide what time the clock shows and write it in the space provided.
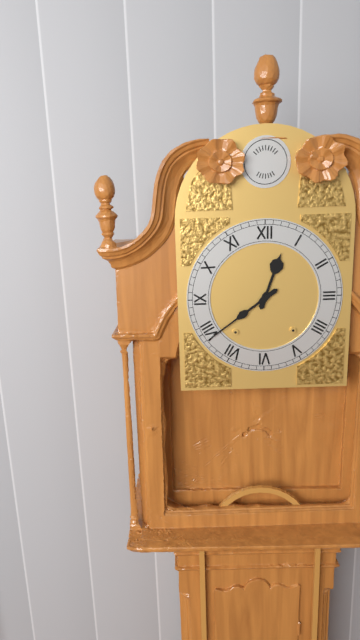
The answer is 12:39
